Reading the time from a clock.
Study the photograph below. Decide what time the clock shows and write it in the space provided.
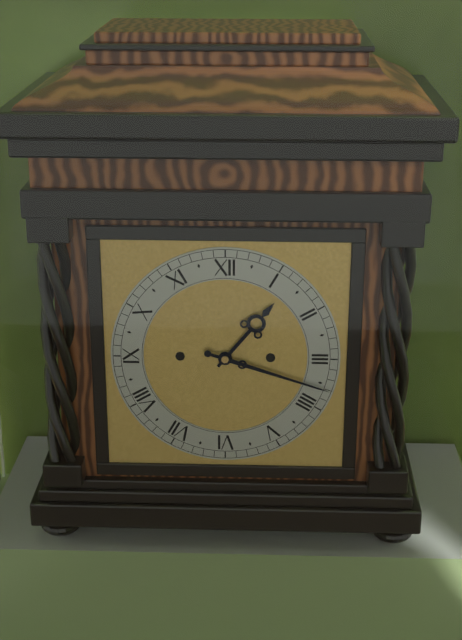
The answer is 1:18
